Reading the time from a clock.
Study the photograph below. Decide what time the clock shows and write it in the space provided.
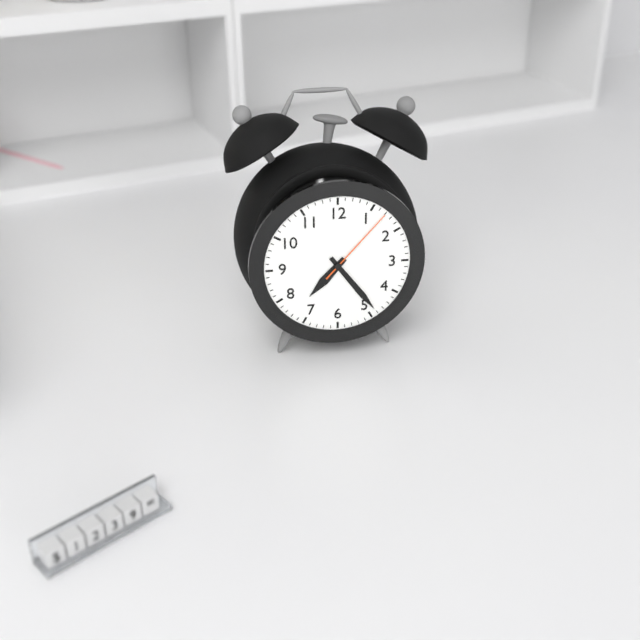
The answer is 7:24:07
